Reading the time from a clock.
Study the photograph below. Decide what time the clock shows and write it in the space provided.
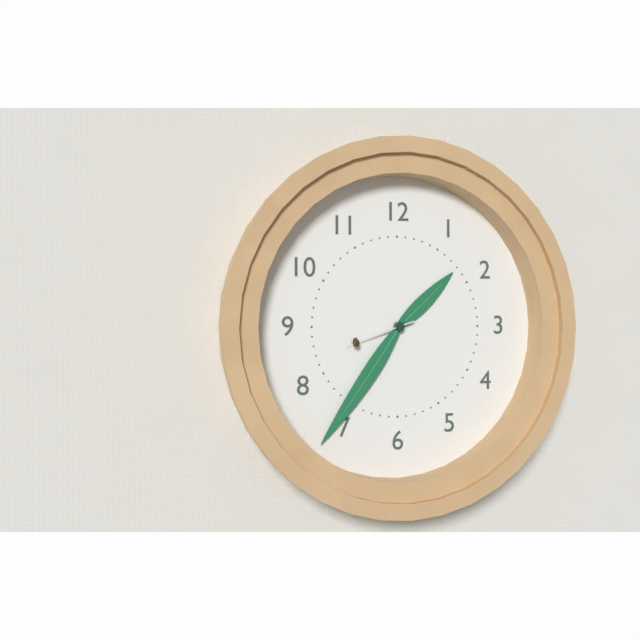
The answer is 1:36:42
